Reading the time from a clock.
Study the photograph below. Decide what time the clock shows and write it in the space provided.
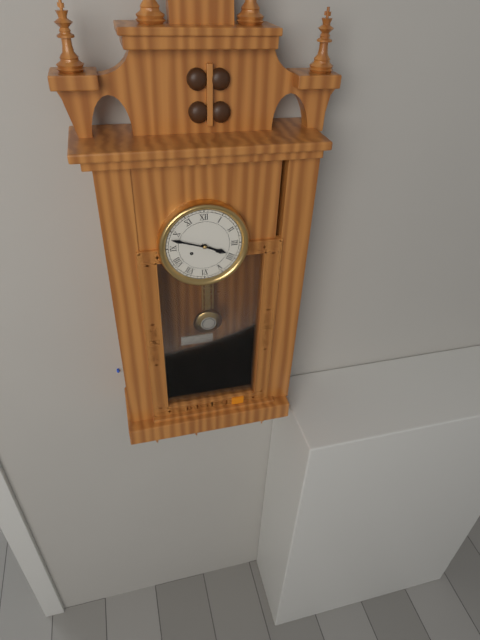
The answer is 3:48
